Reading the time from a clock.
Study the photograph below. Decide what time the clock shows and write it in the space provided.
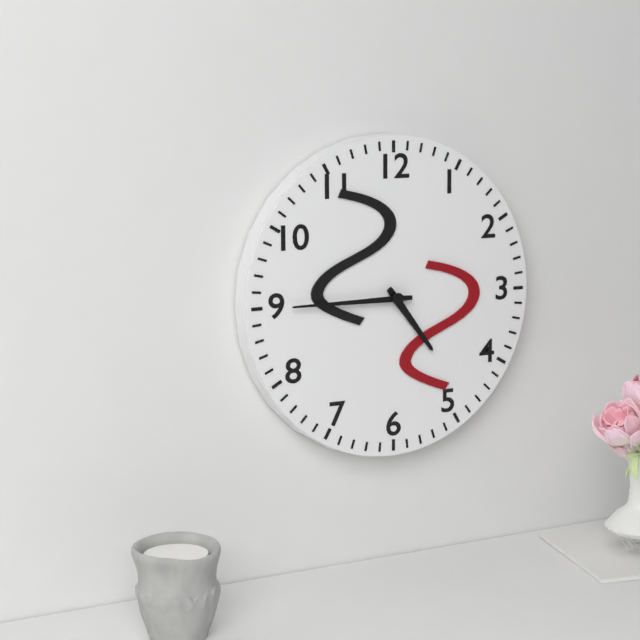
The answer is 4:45
